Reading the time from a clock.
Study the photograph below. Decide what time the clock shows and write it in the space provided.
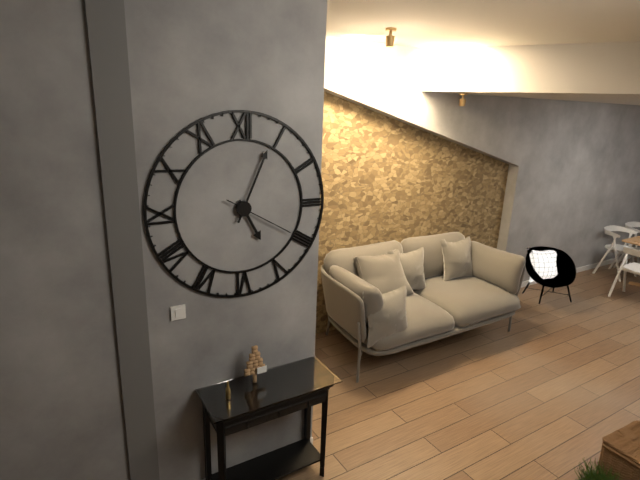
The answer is 5:04:20
